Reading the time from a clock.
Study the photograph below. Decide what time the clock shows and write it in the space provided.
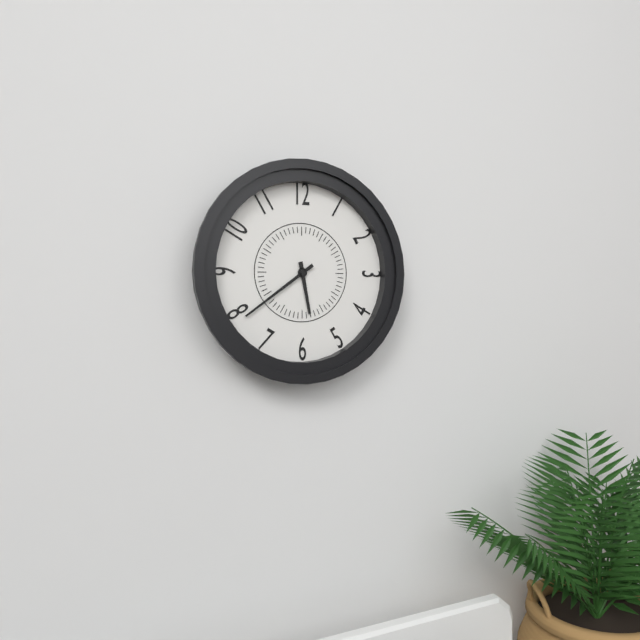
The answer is 5:39
